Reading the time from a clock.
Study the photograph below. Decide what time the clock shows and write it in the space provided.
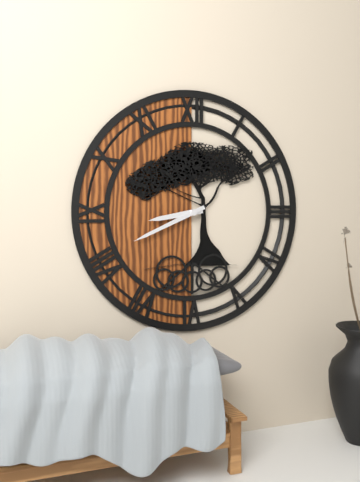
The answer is 8:41
